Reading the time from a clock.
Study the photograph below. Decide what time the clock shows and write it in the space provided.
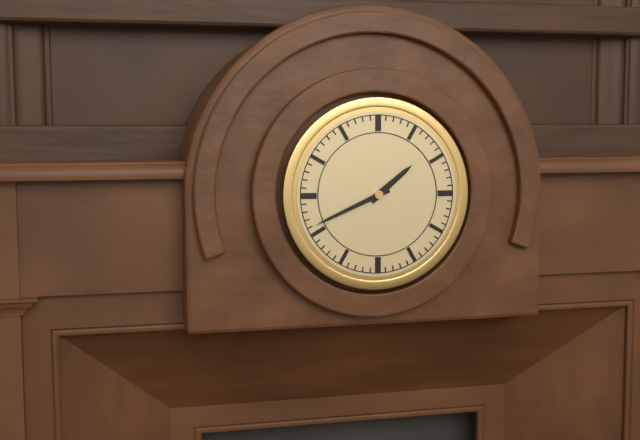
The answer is 1:41
